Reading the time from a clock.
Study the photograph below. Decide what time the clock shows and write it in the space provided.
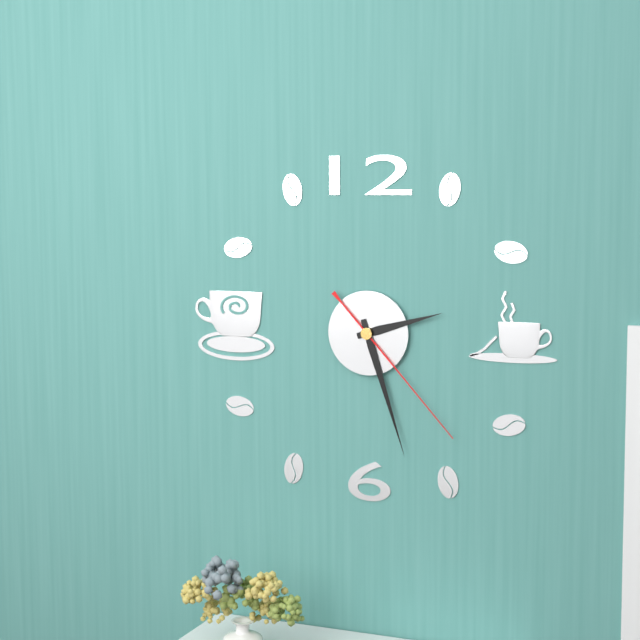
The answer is 2:27:23
